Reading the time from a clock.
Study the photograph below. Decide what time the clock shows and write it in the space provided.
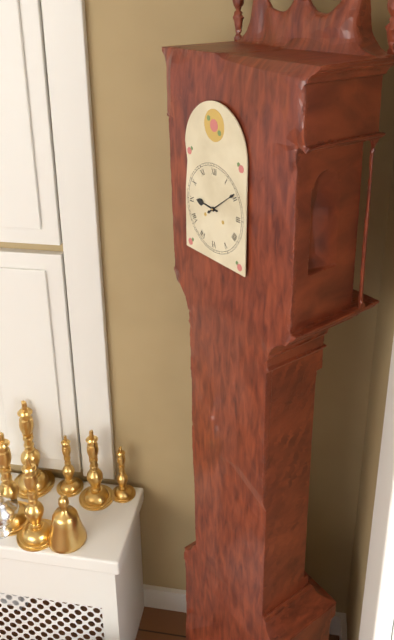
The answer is 9:09
